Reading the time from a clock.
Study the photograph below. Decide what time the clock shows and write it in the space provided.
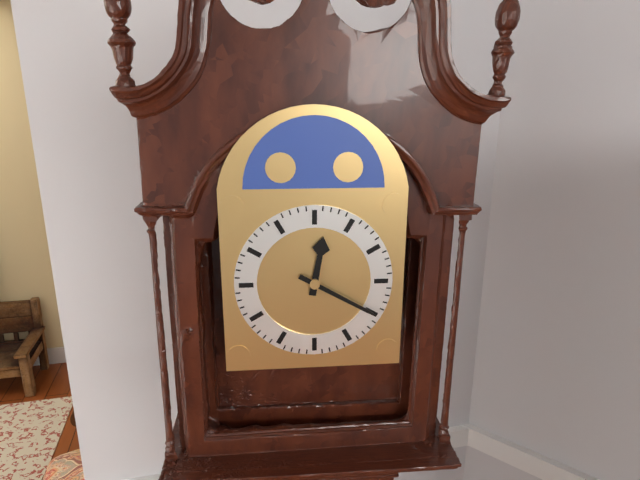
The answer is 12:20
